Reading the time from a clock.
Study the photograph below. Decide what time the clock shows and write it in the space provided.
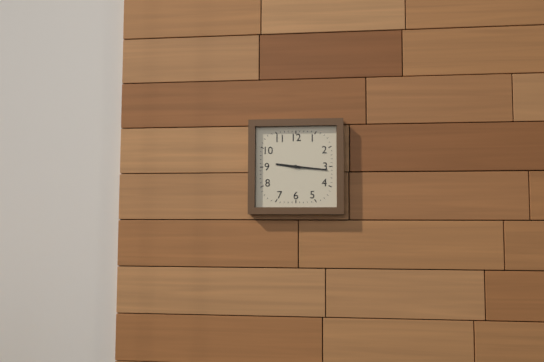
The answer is 9:16
